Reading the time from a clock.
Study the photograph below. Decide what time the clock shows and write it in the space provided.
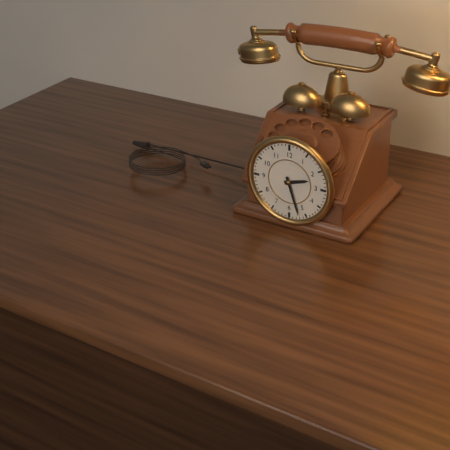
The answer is 2:27
